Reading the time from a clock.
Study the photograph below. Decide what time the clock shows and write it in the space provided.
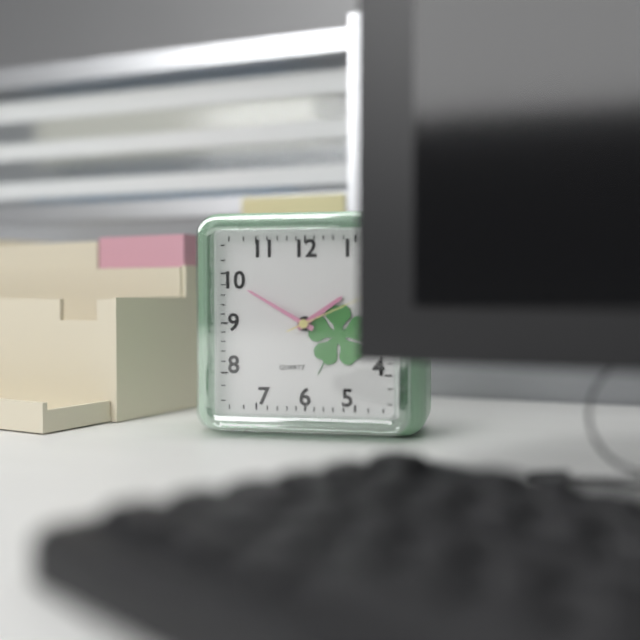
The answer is 1:50:11
